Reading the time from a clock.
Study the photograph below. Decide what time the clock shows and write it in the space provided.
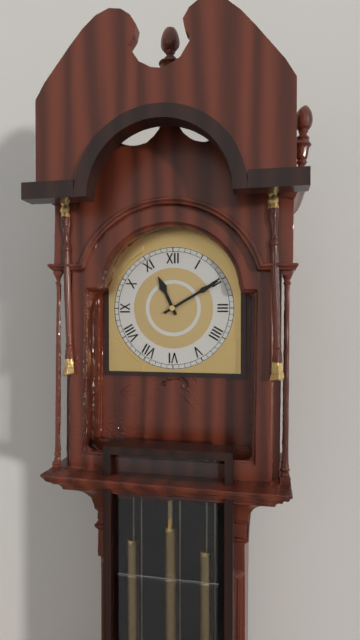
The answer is 11:10
